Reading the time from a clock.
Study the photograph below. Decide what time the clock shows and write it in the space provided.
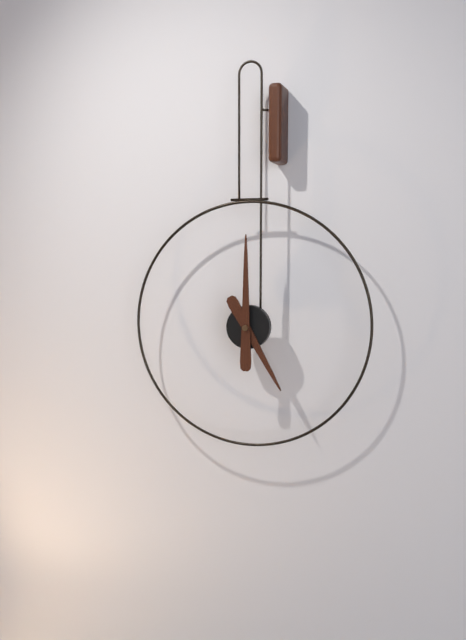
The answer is 5:00
